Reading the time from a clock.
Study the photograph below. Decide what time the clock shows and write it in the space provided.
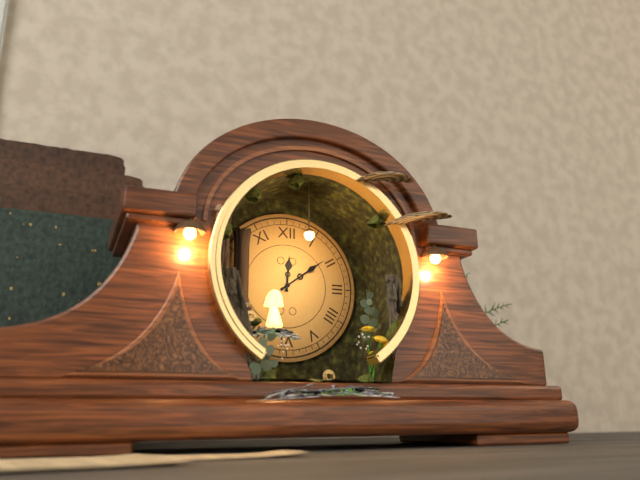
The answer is 12:09
